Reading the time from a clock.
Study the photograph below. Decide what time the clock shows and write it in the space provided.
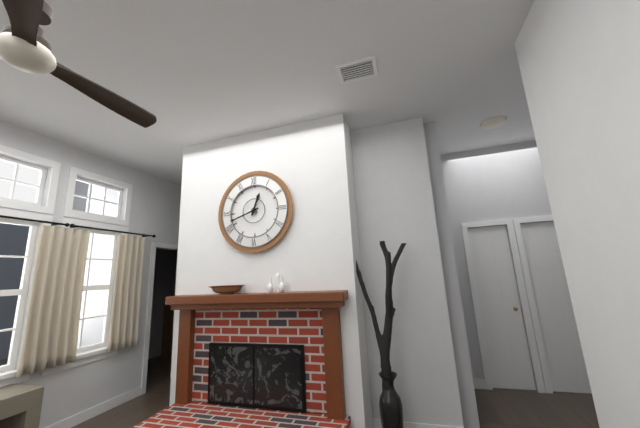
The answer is 12:42
